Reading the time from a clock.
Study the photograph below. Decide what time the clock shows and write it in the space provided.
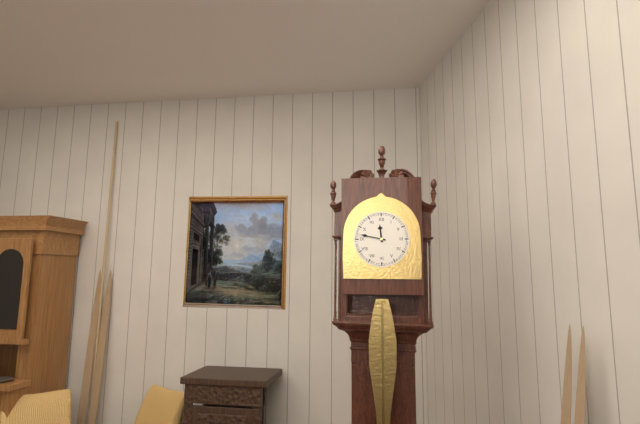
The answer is 11:47
